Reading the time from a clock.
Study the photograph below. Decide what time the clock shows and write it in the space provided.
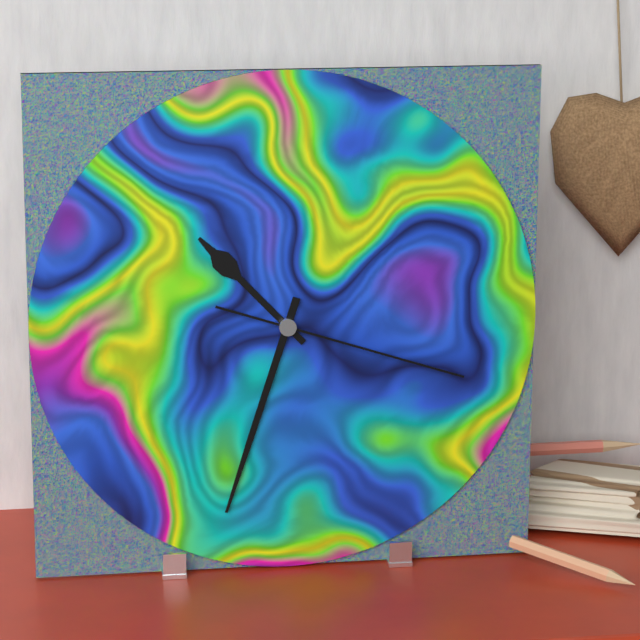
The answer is 10:33:18
